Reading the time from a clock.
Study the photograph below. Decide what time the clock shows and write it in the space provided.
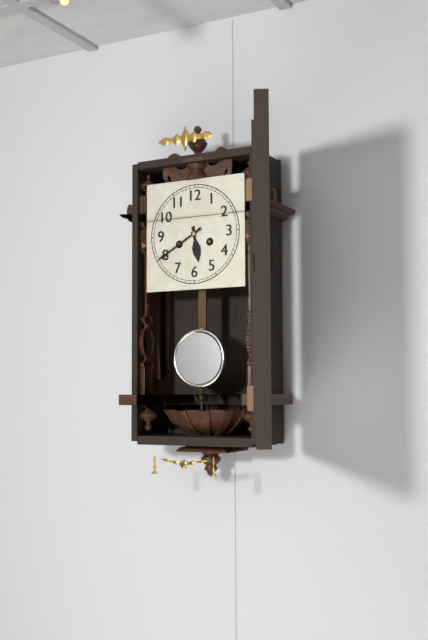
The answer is 5:40
